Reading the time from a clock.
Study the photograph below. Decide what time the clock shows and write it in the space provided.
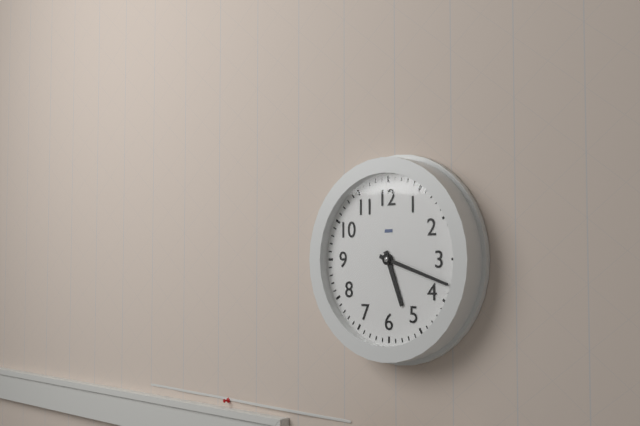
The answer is 5:18
